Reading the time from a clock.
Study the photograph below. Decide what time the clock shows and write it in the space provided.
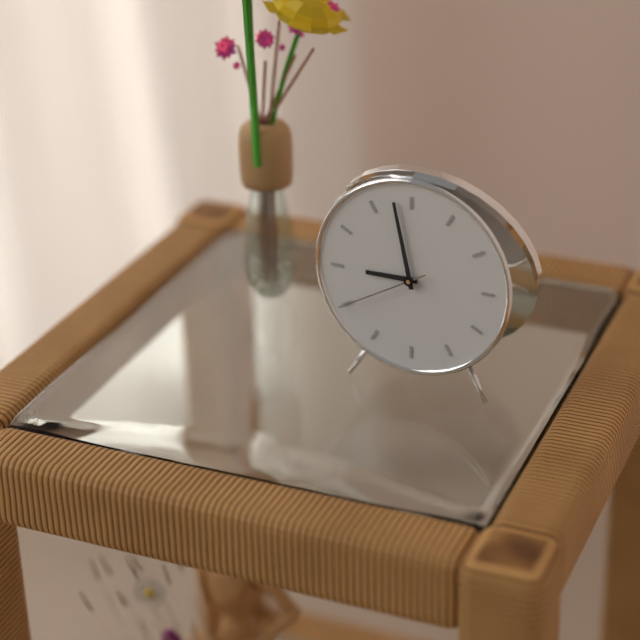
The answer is 8:58:40
